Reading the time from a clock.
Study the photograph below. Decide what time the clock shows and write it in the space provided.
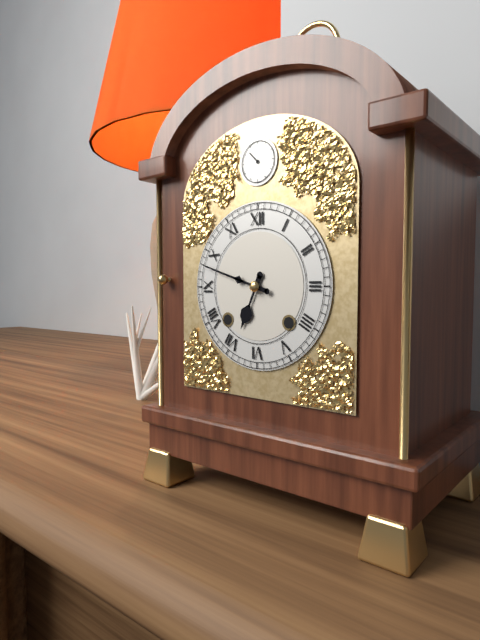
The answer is 6:48
